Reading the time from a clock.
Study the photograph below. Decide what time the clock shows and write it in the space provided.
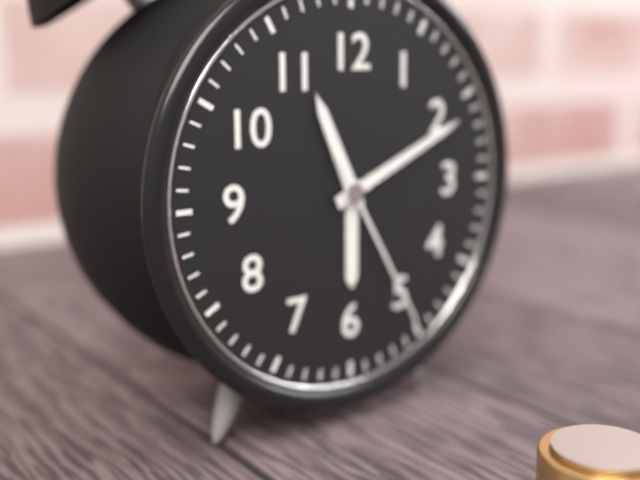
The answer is 11:11:25
